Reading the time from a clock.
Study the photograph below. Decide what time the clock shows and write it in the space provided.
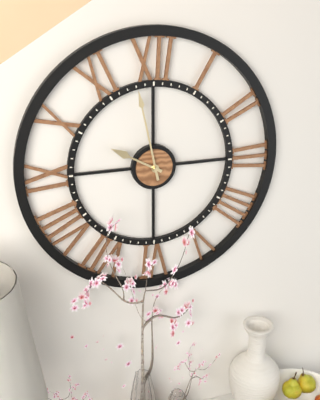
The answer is 9:58
